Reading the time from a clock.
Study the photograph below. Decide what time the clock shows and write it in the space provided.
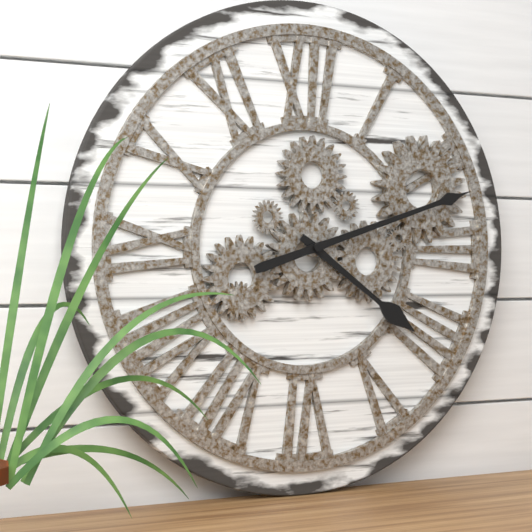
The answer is 4:12
